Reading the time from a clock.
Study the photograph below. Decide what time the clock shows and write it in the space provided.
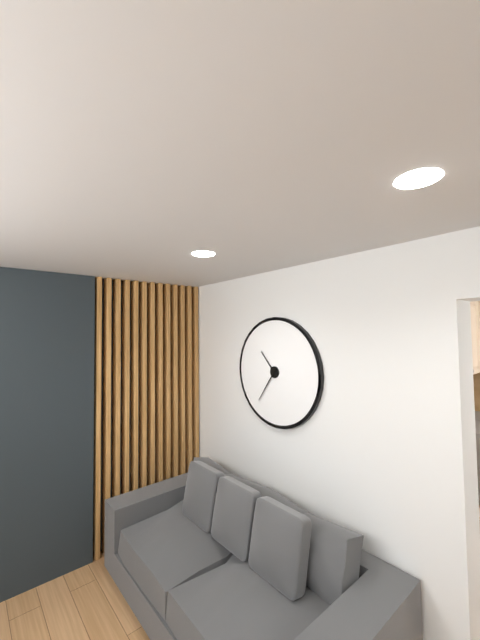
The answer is 10:36
